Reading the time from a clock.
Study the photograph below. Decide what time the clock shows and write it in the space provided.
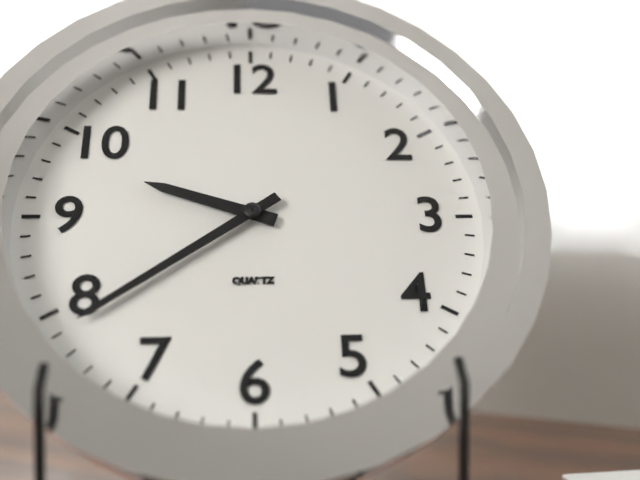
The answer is 9:39
